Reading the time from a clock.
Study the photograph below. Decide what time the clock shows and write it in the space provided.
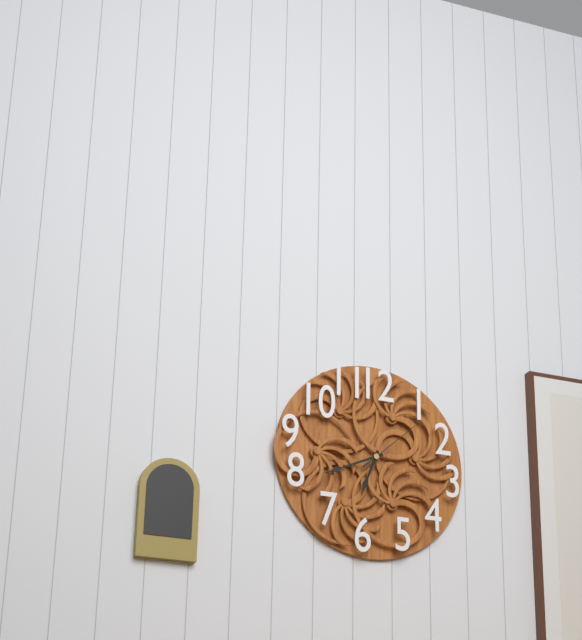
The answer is 6:41:08
